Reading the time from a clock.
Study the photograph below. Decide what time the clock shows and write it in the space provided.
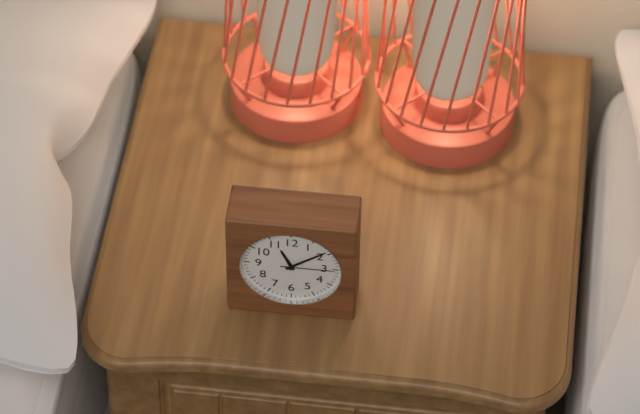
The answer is 11:09:15
